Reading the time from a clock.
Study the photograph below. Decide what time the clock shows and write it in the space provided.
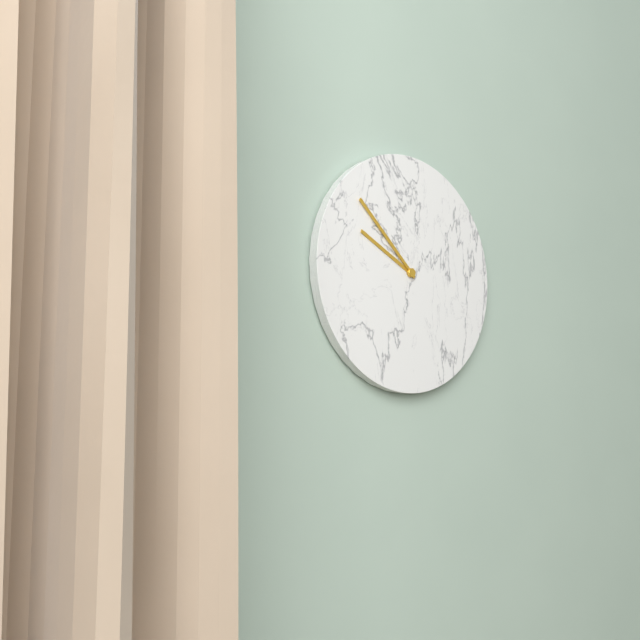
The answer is 9:52
